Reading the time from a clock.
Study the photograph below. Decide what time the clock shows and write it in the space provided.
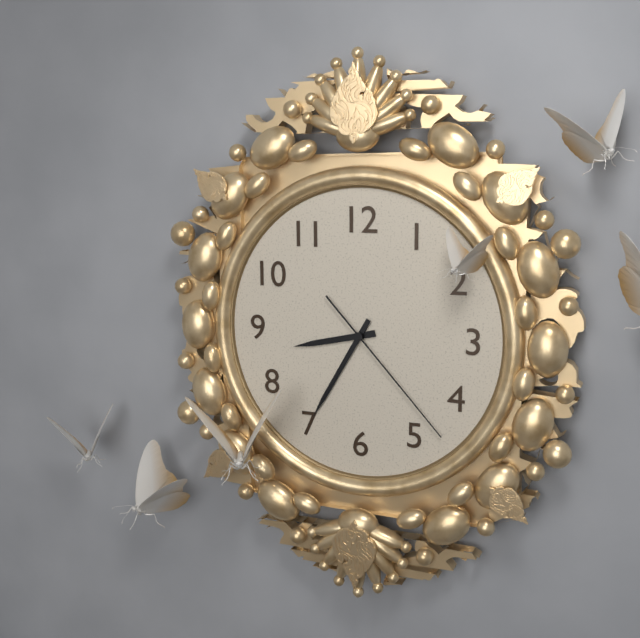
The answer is 8:35:23
